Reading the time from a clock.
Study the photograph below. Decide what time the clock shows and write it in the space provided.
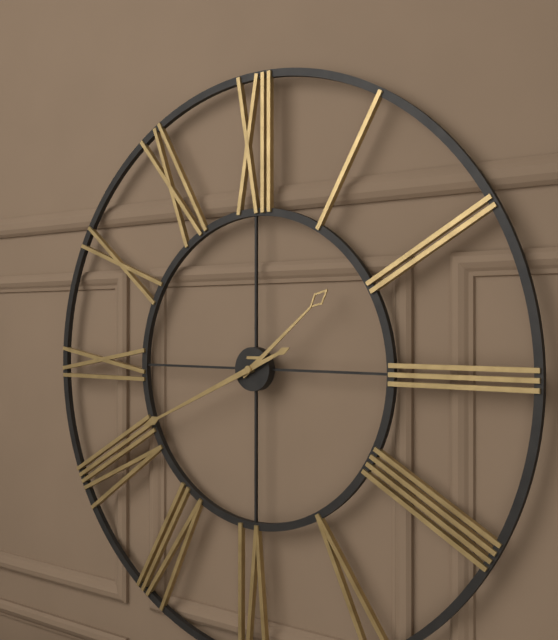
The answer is 1:41
